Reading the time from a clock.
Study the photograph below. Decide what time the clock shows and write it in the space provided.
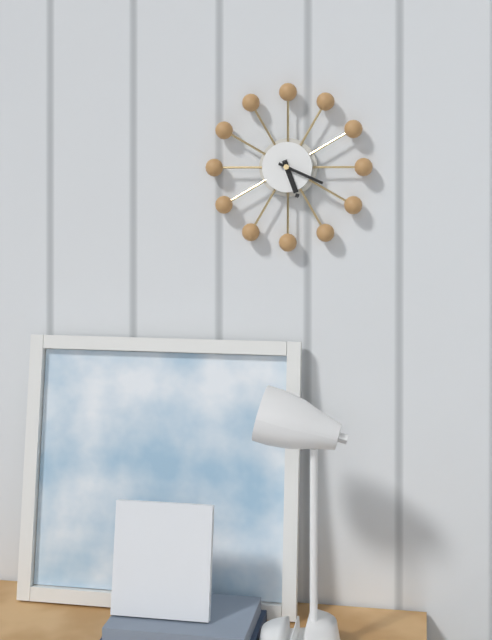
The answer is 5:19
